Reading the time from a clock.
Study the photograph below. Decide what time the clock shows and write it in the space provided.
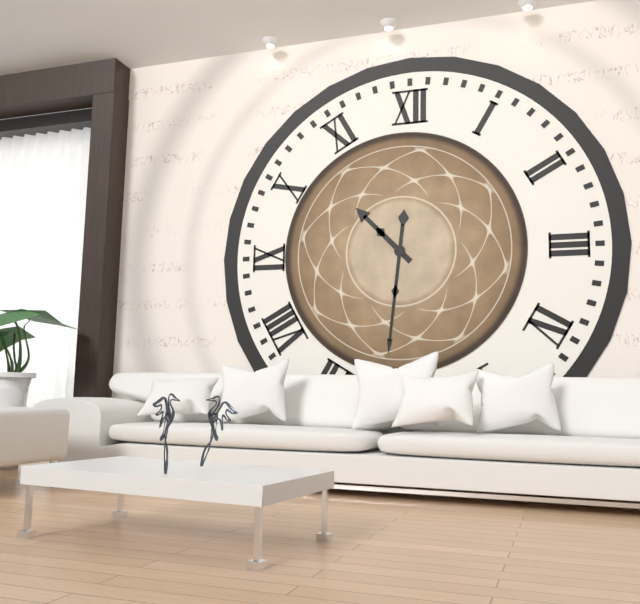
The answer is 10:31
